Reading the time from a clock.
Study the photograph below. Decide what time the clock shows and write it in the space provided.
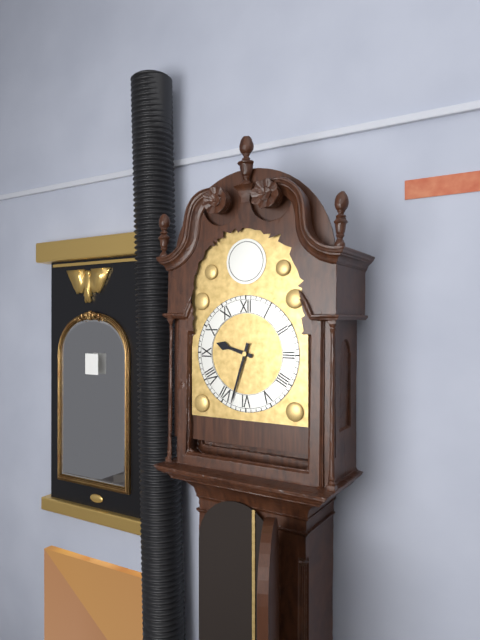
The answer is 9:33
